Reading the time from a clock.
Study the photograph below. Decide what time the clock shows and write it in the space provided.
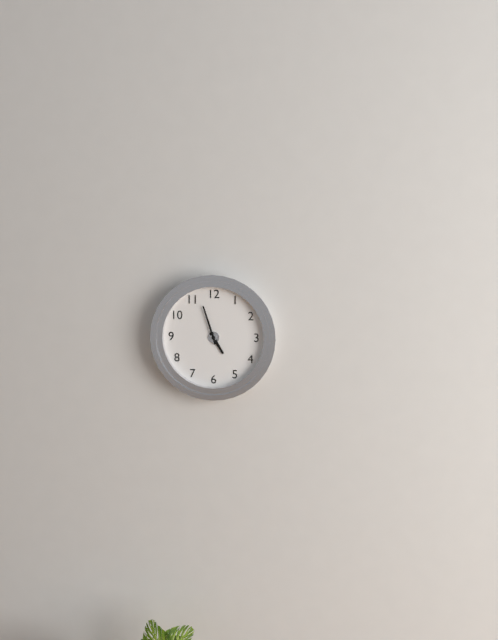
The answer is 4:57
